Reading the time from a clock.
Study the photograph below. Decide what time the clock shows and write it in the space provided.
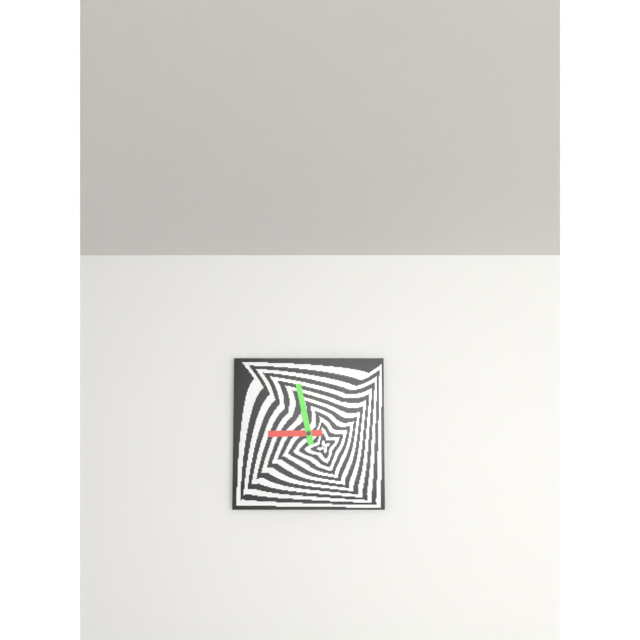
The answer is 8:58
